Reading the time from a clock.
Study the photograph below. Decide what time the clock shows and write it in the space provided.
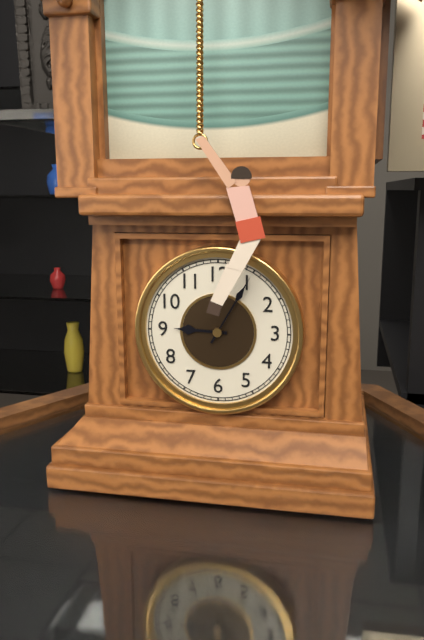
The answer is 9:05
